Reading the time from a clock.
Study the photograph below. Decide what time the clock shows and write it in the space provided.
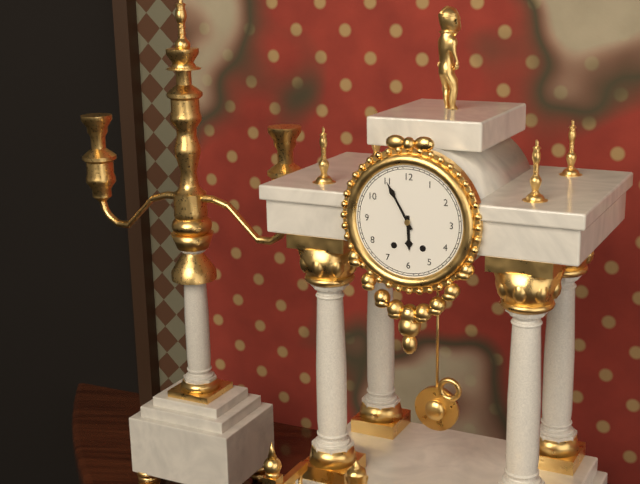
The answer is 5:55
